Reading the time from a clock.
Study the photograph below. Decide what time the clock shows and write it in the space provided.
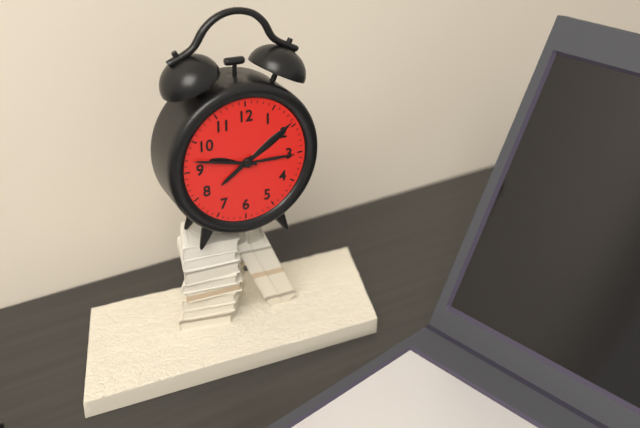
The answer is 7:47
